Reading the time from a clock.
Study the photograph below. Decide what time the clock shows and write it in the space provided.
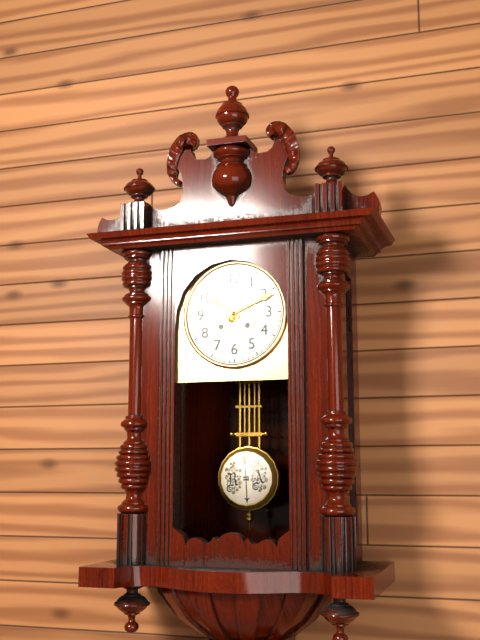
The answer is 10:11
